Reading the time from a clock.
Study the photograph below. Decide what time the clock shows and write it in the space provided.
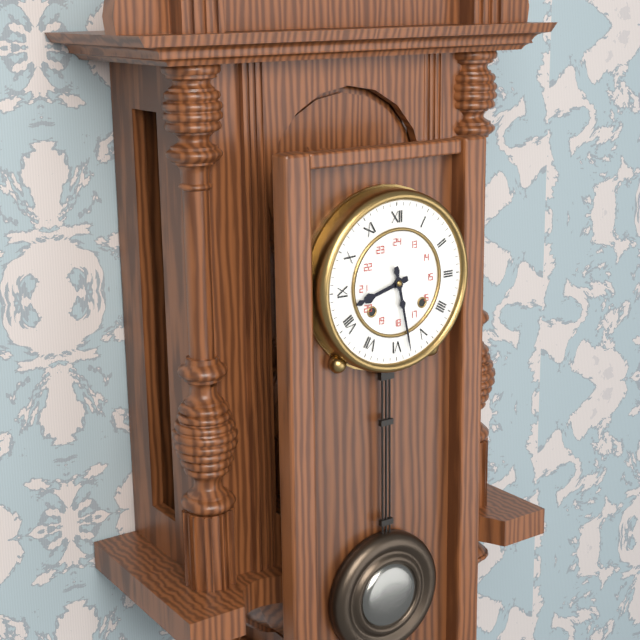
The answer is 8:28
